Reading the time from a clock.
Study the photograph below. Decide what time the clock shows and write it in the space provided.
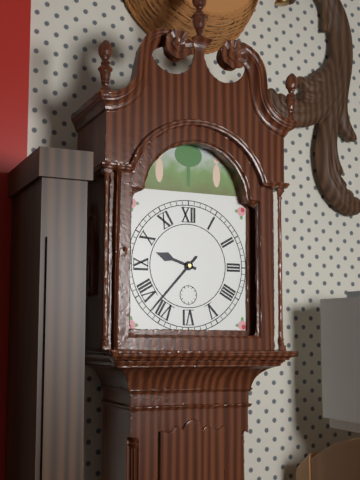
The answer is 9:37
